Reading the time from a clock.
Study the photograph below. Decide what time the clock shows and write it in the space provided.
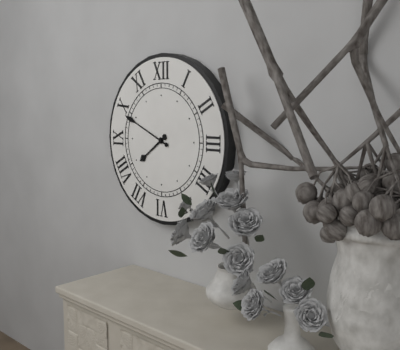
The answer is 7:49
